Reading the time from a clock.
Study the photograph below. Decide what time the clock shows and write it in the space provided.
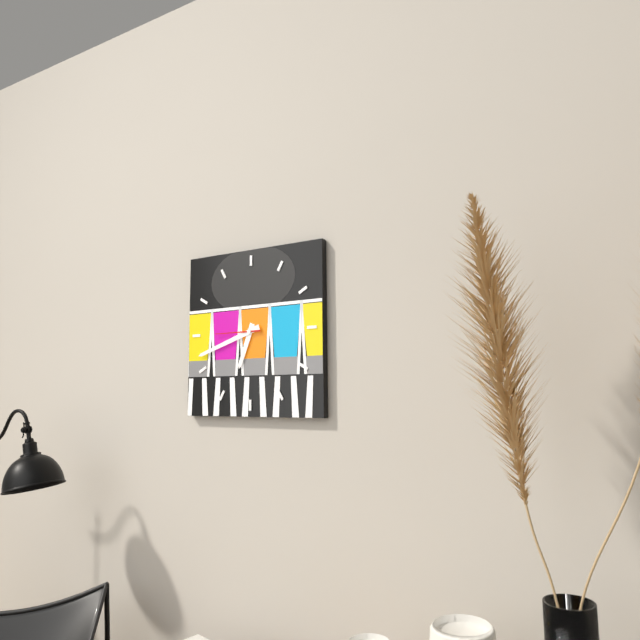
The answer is 6:42:45
